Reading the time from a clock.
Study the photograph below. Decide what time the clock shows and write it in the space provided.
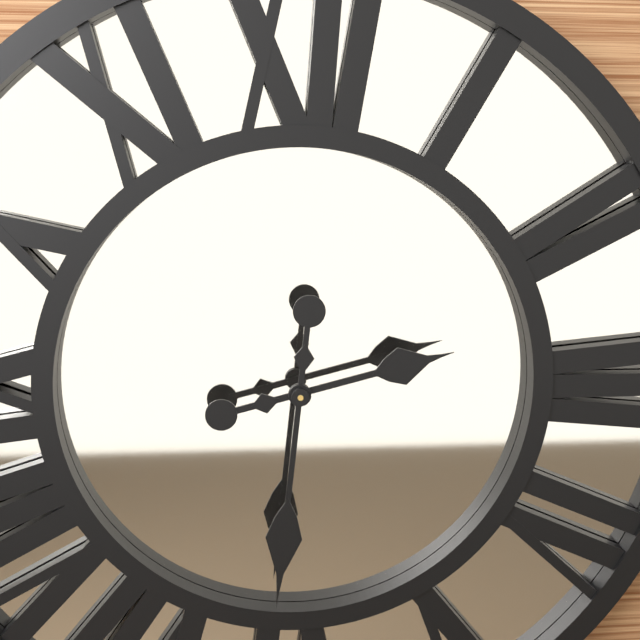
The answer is 2:31
